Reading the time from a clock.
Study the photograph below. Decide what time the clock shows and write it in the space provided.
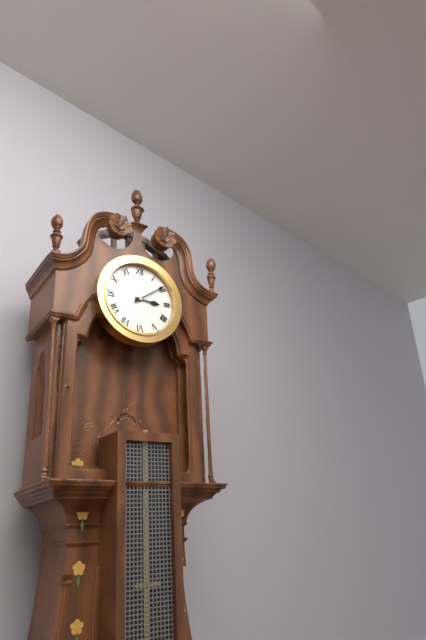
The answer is 3:09
